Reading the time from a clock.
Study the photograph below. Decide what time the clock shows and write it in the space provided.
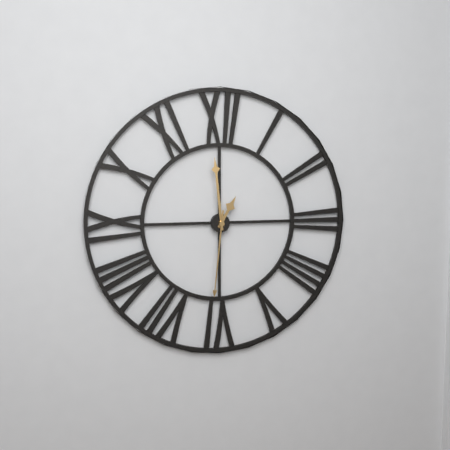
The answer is 12:59:31
